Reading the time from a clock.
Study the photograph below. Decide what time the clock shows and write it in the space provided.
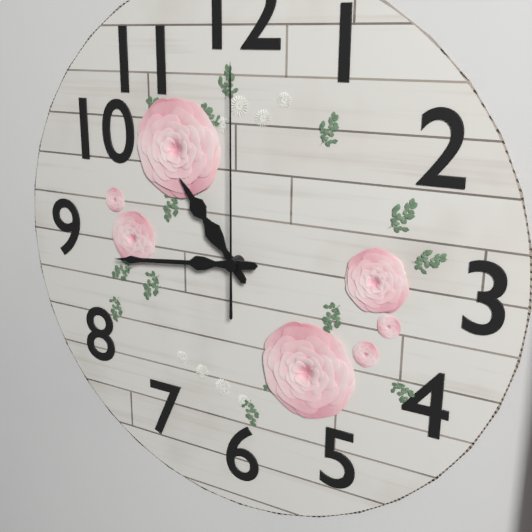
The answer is 10:44:00
